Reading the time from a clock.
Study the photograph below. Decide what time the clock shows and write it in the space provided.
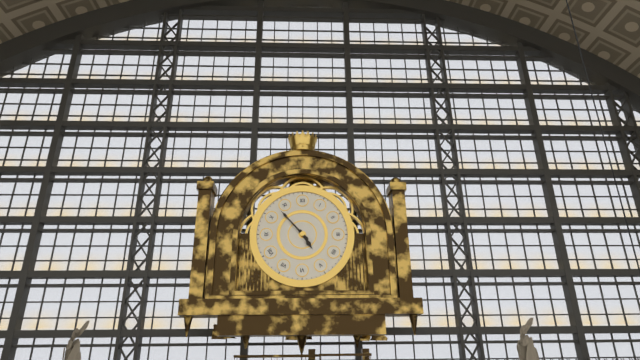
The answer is 4:53
